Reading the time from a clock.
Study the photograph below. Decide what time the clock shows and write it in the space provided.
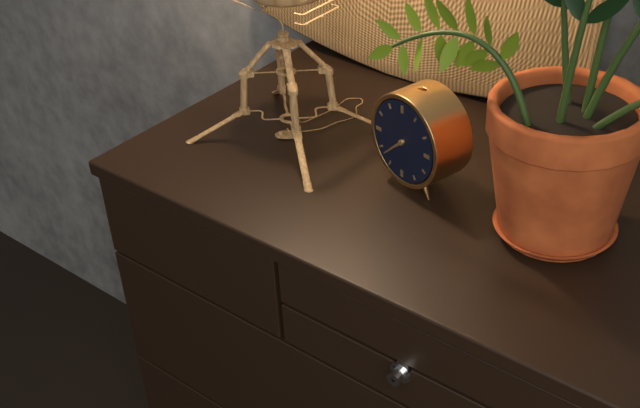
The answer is 7:38
